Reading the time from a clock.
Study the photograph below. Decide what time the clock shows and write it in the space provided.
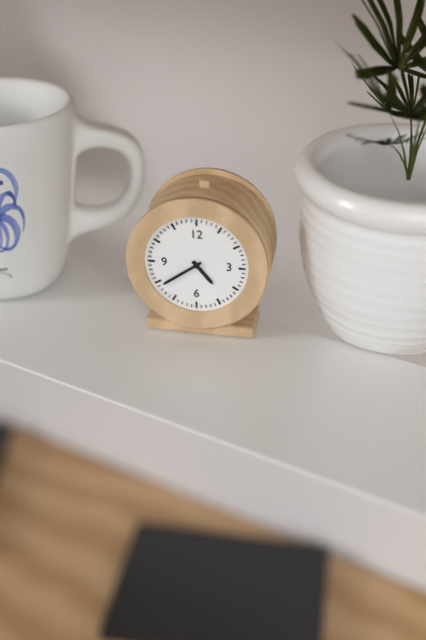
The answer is 4:39
